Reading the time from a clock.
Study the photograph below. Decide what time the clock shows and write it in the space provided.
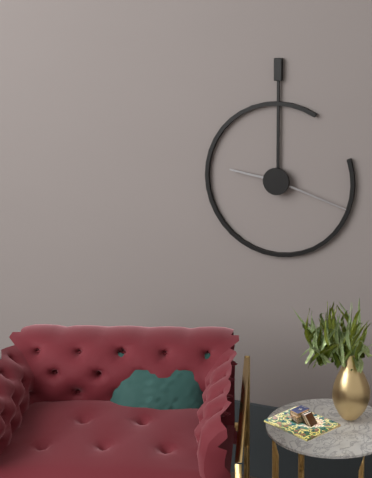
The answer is 9:18
